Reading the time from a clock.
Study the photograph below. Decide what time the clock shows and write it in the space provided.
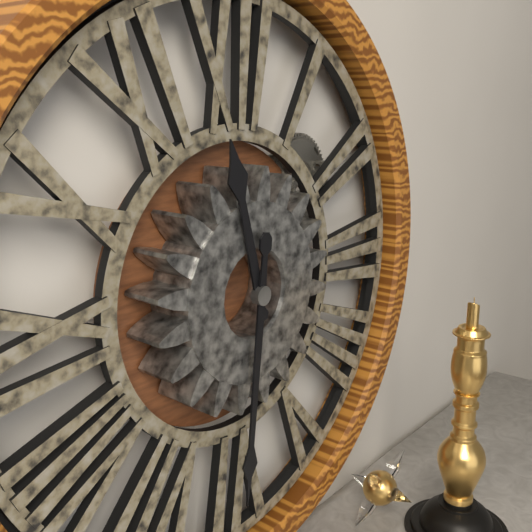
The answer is 11:31
